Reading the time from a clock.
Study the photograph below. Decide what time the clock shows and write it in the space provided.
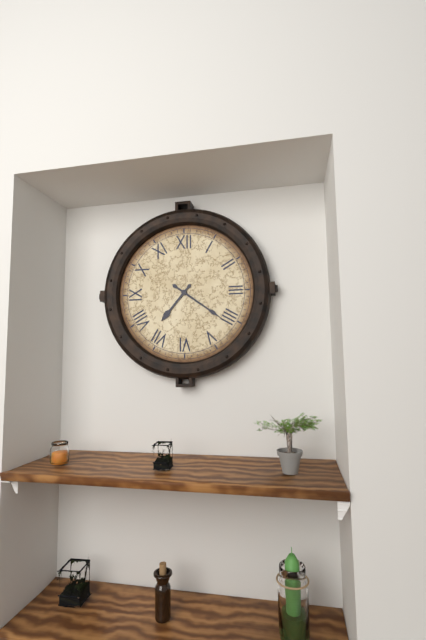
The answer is 7:21
